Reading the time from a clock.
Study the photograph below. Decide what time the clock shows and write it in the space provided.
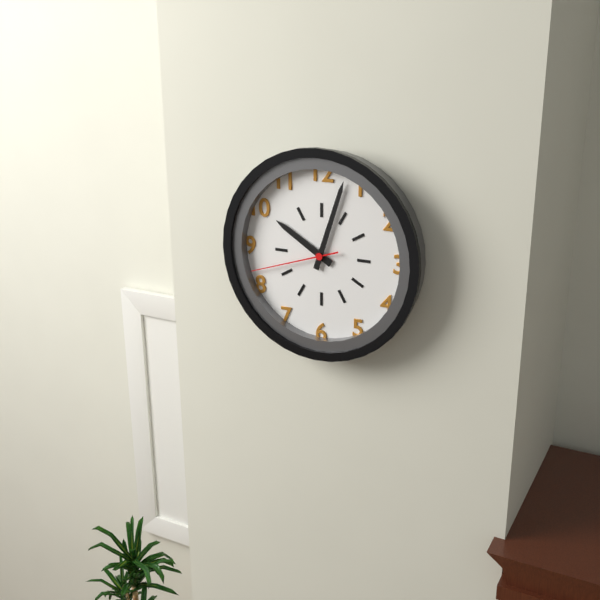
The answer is 10:03:42
